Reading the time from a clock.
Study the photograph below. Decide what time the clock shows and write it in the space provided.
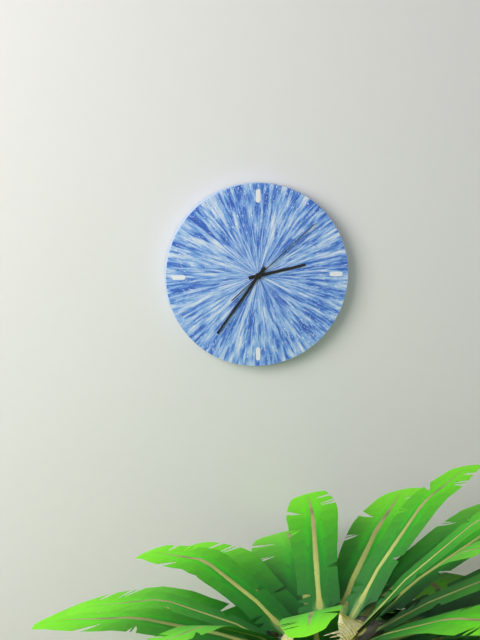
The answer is 2:36:08
